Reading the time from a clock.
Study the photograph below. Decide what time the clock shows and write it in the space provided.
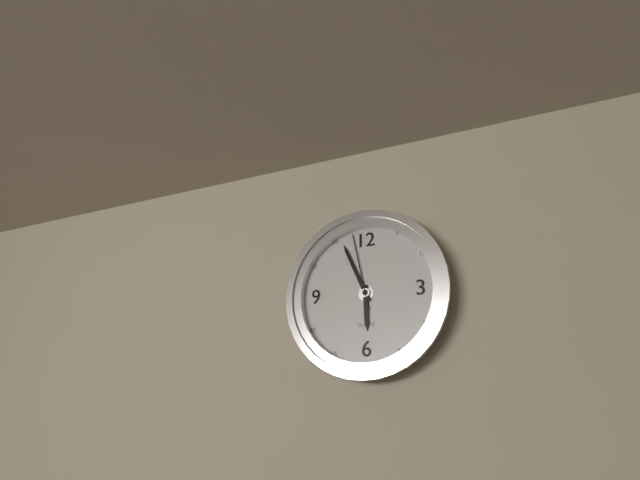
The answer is 5:56:58
